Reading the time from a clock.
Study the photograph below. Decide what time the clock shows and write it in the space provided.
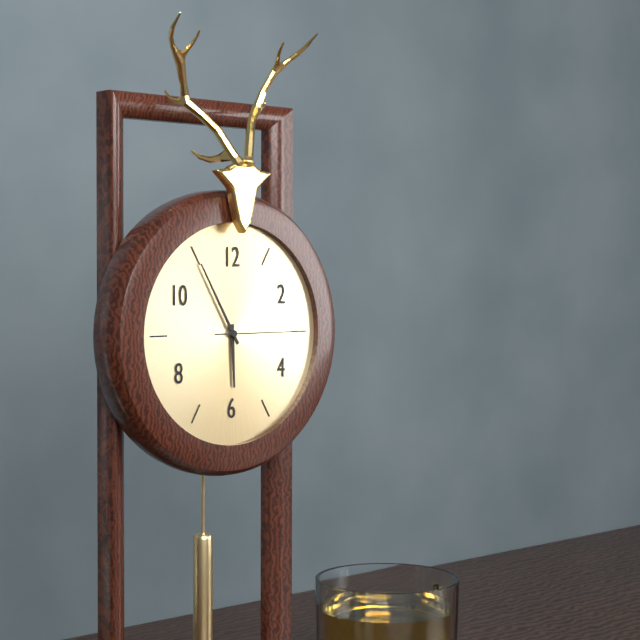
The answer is 5:55:15
